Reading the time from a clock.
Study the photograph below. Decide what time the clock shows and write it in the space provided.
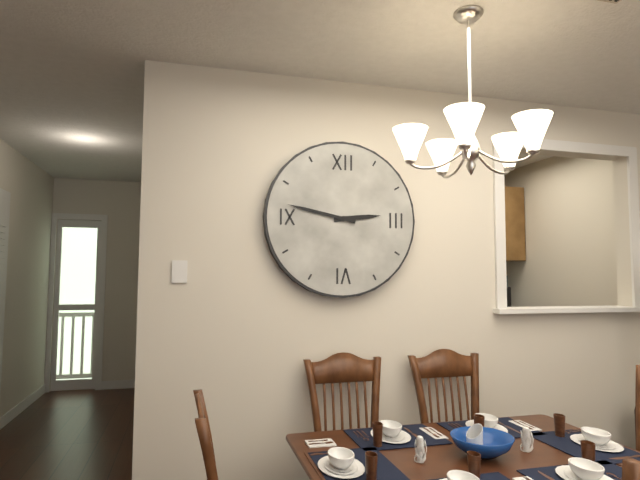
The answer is 2:47
